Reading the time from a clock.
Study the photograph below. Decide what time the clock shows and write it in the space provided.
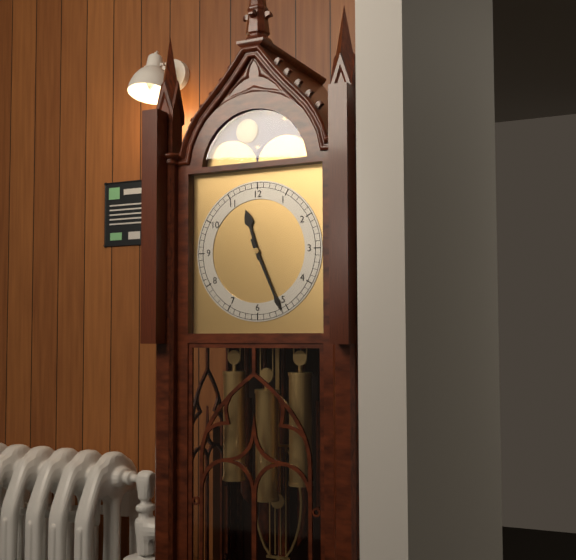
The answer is 11:26
